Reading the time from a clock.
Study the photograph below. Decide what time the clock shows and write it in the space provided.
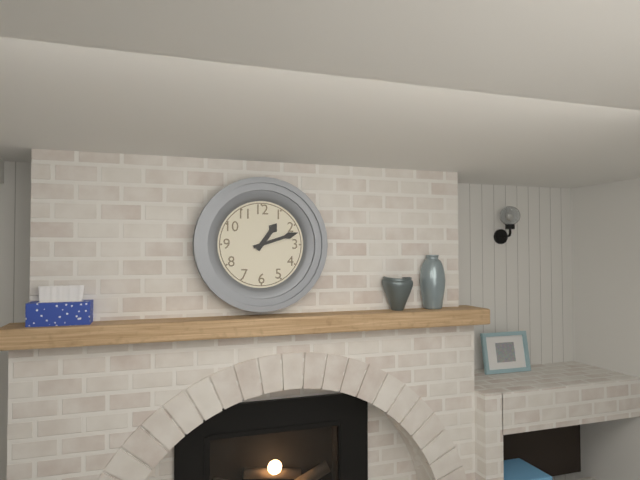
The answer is 1:12
